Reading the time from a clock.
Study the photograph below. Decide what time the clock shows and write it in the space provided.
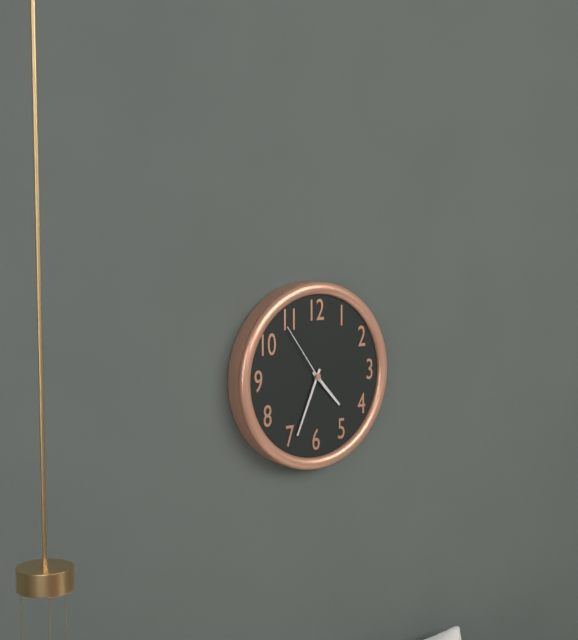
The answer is 4:34:54
